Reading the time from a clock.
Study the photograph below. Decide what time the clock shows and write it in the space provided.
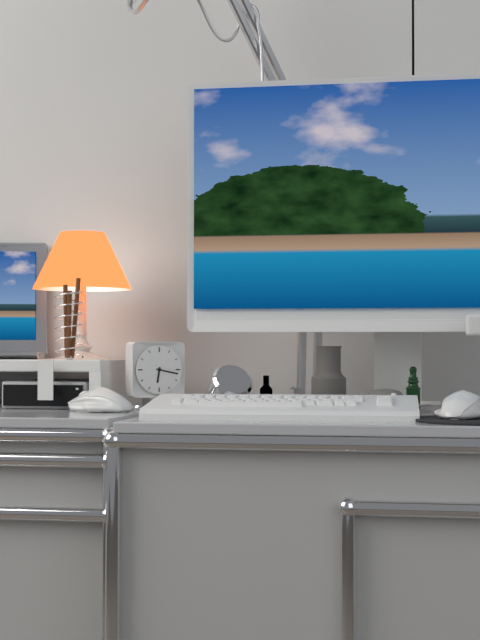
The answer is 6:17
